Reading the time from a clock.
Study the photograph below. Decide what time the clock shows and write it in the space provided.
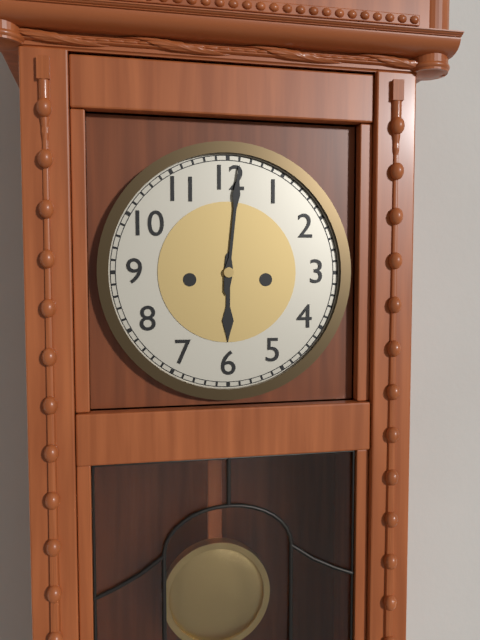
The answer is 6:01
